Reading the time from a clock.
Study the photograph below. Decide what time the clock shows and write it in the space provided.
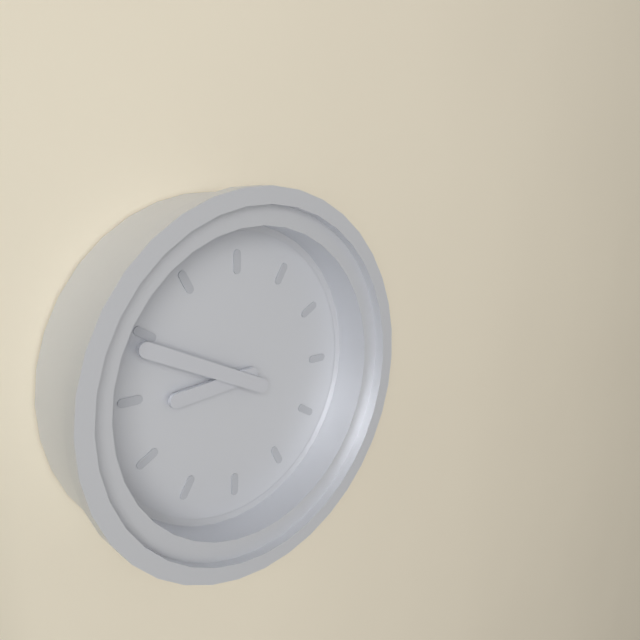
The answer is 8:49
